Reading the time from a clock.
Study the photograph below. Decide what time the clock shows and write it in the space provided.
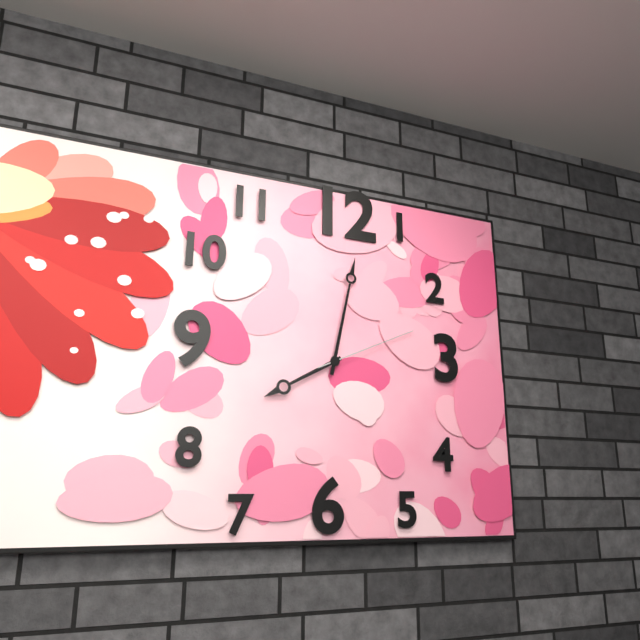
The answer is 8:02:11
